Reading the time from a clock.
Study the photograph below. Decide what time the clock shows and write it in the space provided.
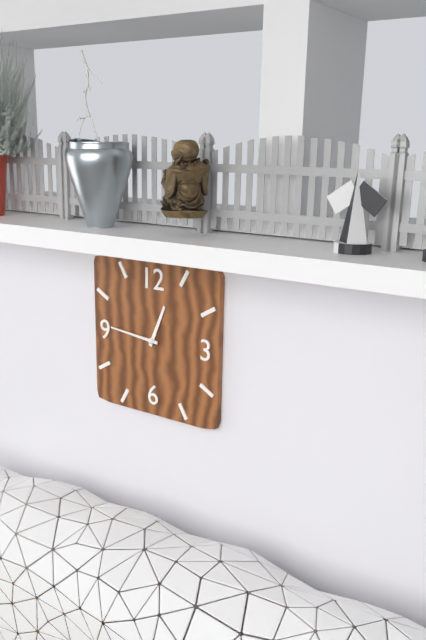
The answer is 12:46
